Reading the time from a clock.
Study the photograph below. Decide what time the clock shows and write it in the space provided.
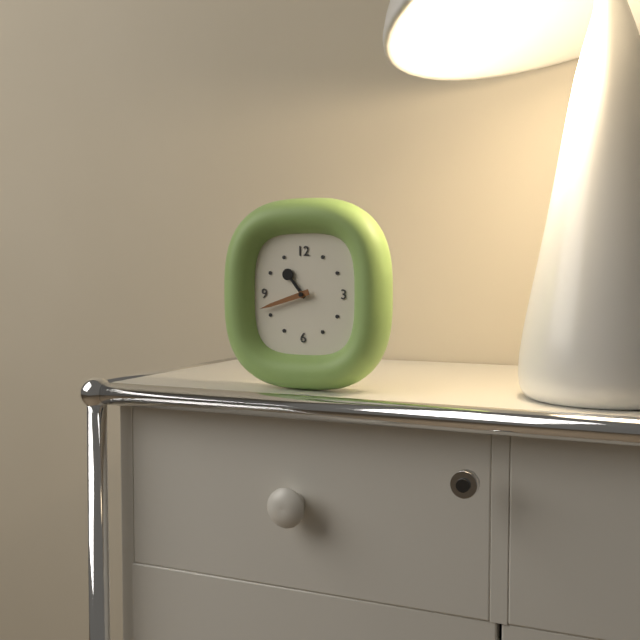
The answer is 10:42
